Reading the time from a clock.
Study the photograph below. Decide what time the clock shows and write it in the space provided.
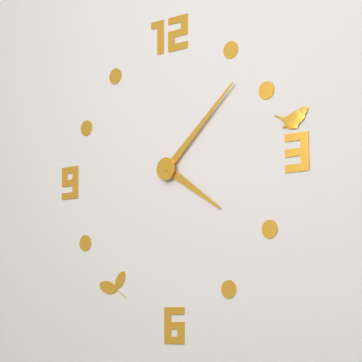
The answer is 4:08
